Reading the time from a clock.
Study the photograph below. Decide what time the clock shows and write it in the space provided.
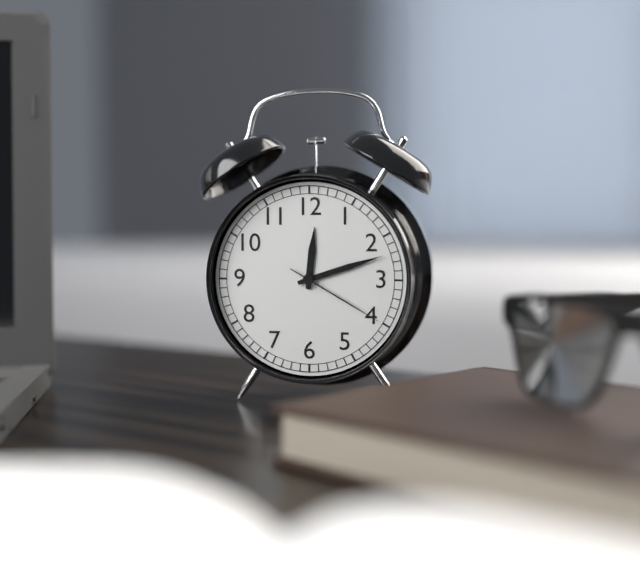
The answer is 12:12:20
